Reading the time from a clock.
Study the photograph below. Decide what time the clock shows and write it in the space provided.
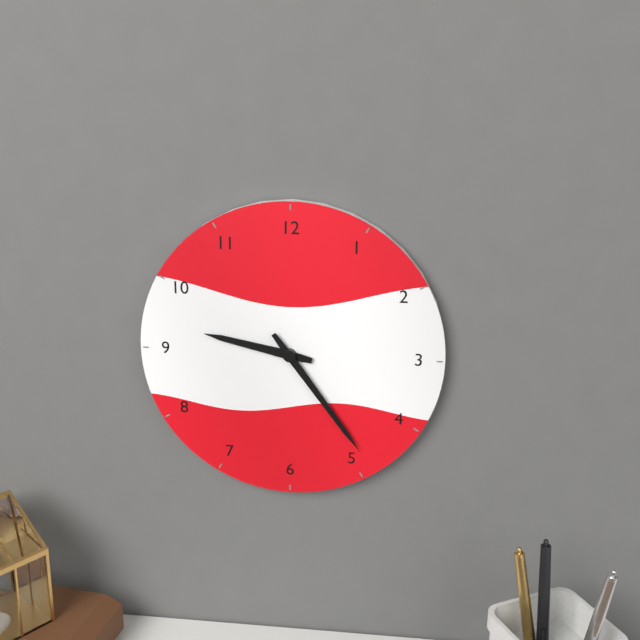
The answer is 9:24
